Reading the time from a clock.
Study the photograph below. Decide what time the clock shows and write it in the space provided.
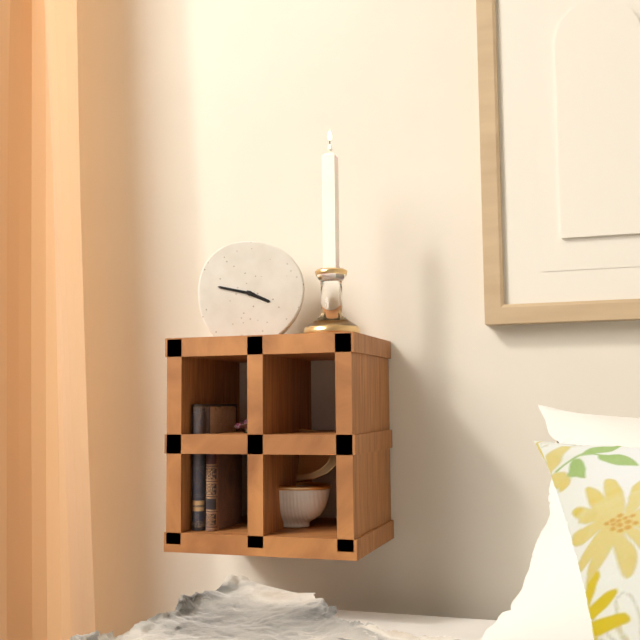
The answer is 3:47
